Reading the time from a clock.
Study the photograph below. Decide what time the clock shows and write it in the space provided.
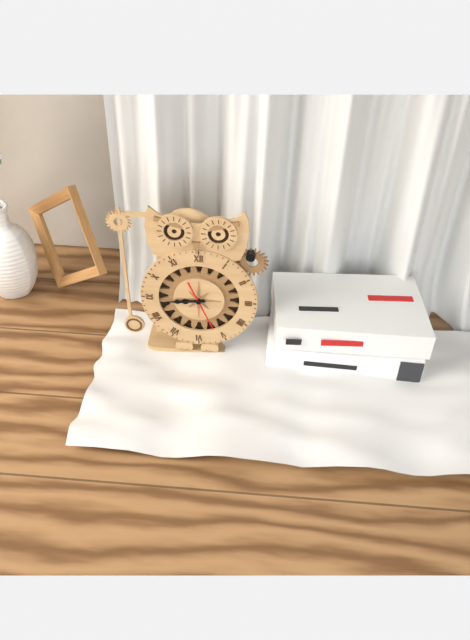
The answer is 8:44:26
